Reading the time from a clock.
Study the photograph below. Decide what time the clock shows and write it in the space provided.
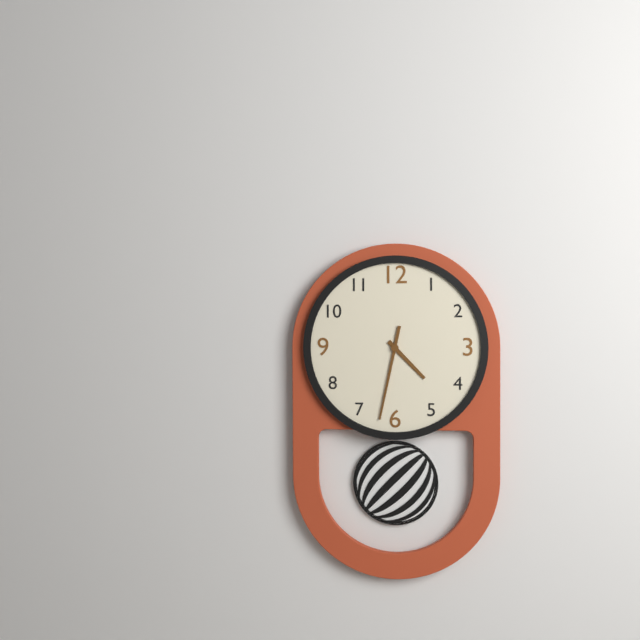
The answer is 4:32
